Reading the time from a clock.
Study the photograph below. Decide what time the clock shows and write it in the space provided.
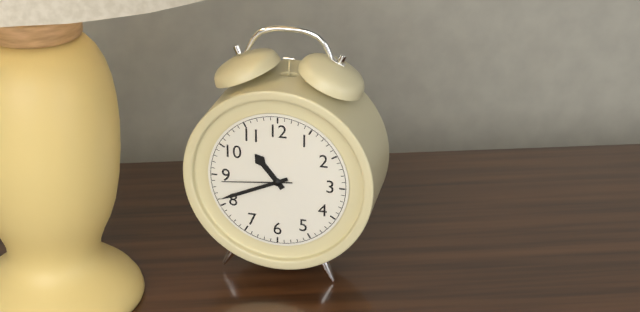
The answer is 10:41:44
